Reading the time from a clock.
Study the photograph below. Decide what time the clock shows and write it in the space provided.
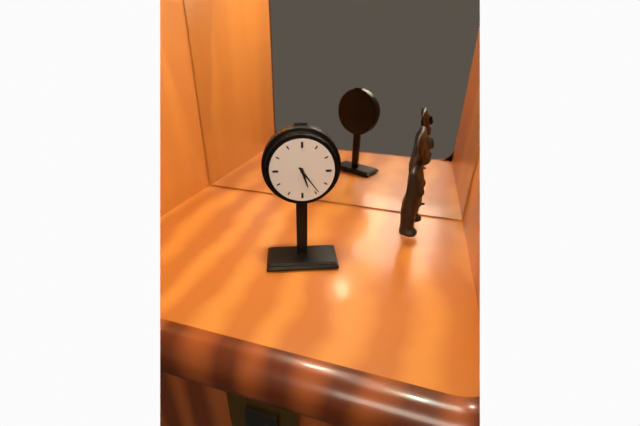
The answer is 5:24
